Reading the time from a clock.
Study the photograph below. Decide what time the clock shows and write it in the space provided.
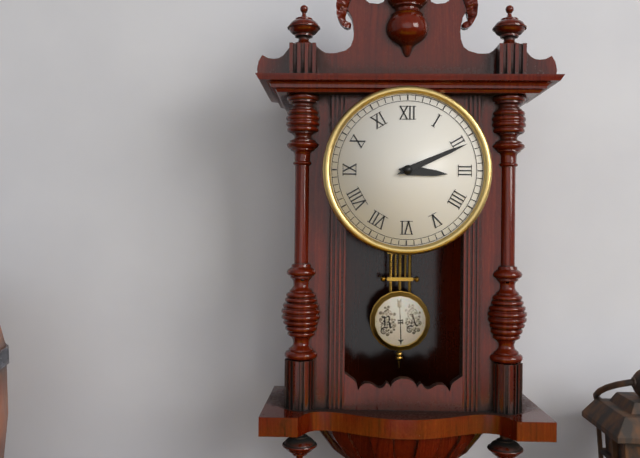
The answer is 3:11
